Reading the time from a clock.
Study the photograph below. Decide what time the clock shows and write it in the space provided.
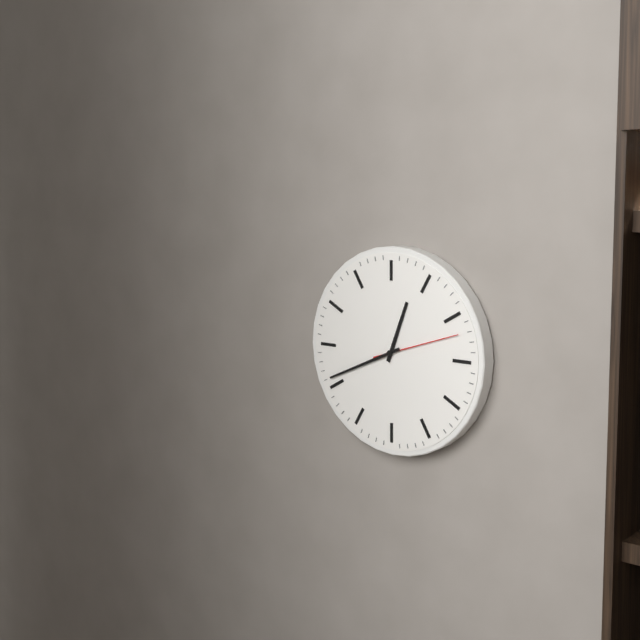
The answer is 12:41:12
